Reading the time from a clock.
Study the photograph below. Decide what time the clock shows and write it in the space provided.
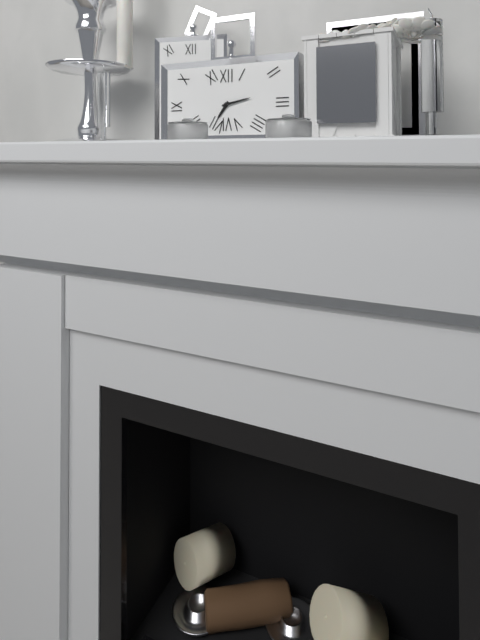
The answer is 7:13
